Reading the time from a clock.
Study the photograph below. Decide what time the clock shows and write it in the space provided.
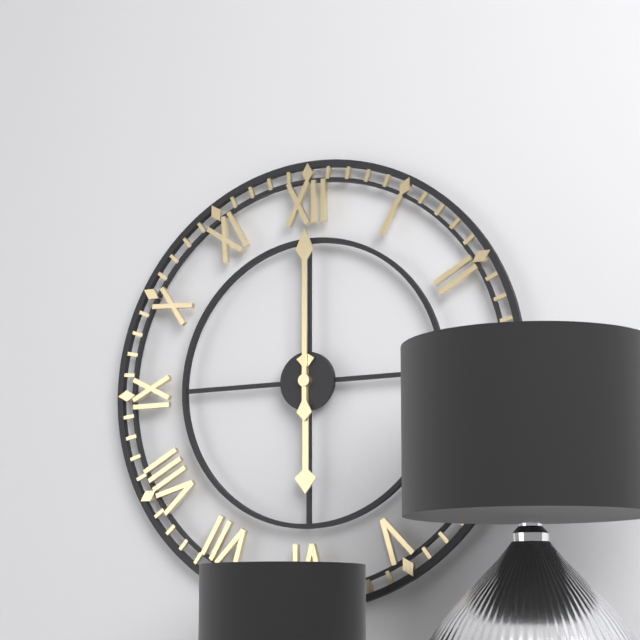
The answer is 6:00
